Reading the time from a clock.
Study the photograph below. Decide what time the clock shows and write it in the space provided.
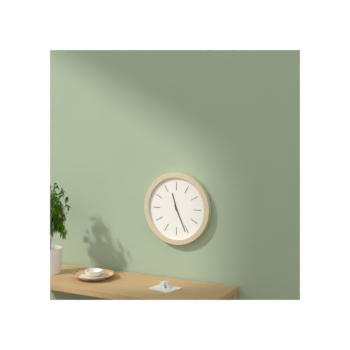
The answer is 11:26
